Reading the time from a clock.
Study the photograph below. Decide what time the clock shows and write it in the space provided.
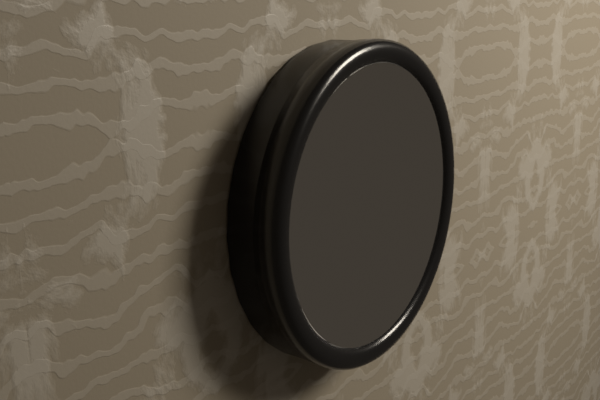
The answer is 11:42:56
